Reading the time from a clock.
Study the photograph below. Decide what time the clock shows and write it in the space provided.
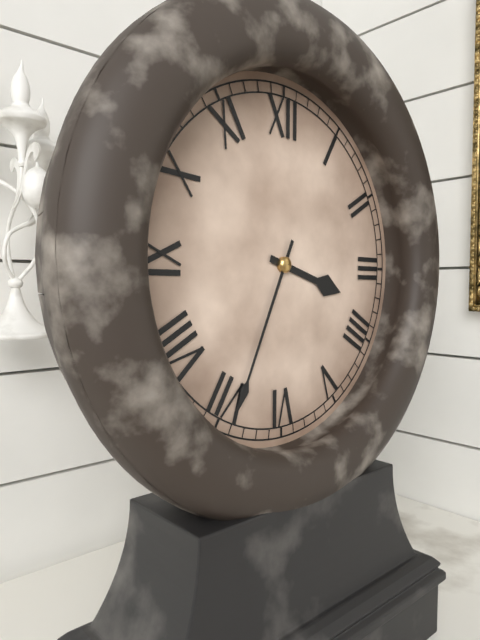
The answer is 3:34
